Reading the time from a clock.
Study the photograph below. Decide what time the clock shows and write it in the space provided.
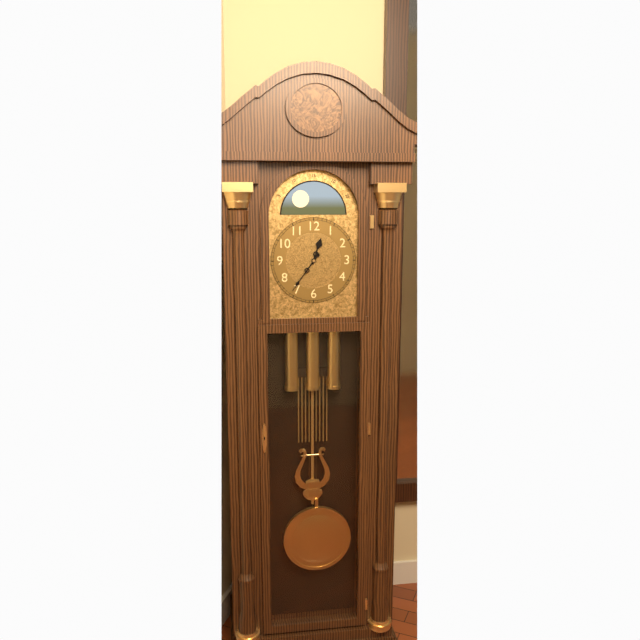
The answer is 12:36
